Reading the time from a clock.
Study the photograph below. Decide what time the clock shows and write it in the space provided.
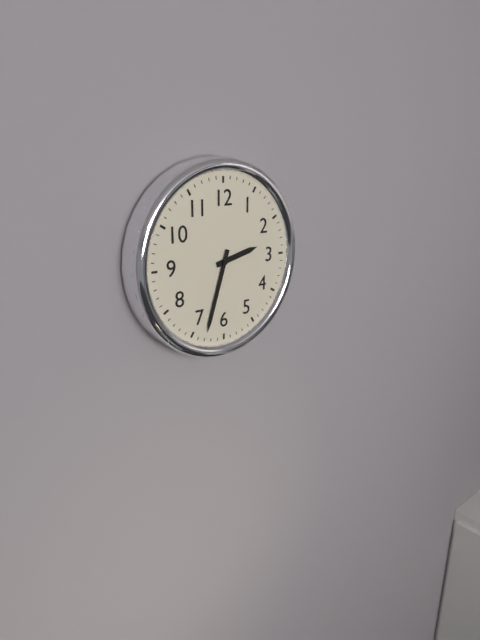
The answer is 2:33
